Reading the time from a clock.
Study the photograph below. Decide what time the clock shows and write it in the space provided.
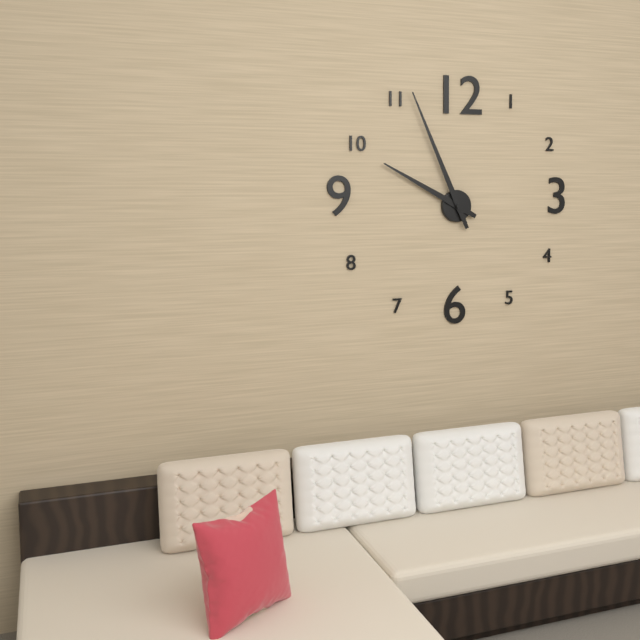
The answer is 9:56
